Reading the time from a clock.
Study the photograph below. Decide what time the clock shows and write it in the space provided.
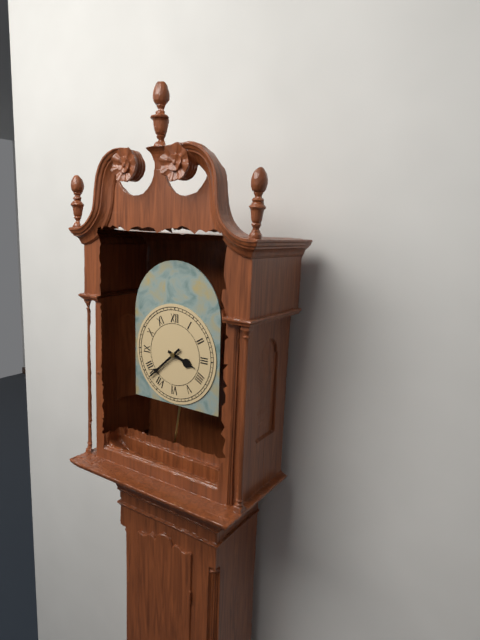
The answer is 3:38
